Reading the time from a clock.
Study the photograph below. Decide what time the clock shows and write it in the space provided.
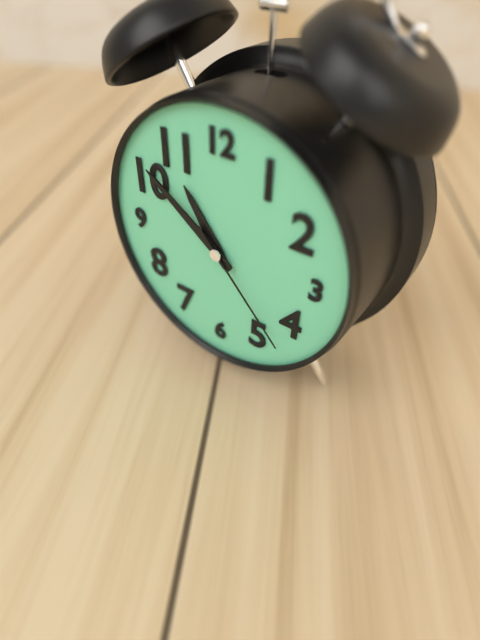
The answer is 10:51:23
